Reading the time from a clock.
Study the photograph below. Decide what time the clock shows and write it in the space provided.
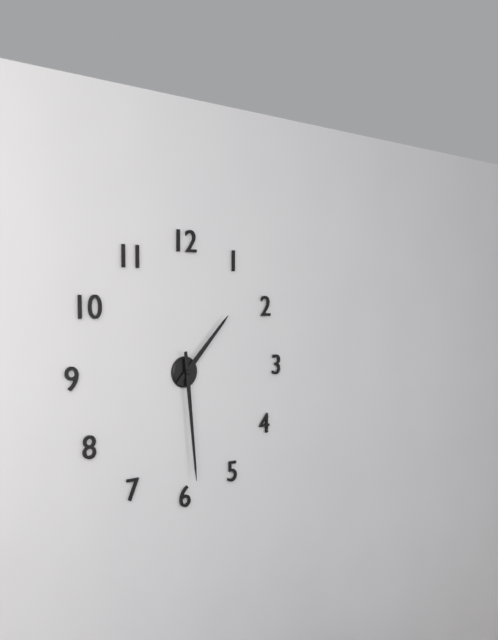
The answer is 1:29
